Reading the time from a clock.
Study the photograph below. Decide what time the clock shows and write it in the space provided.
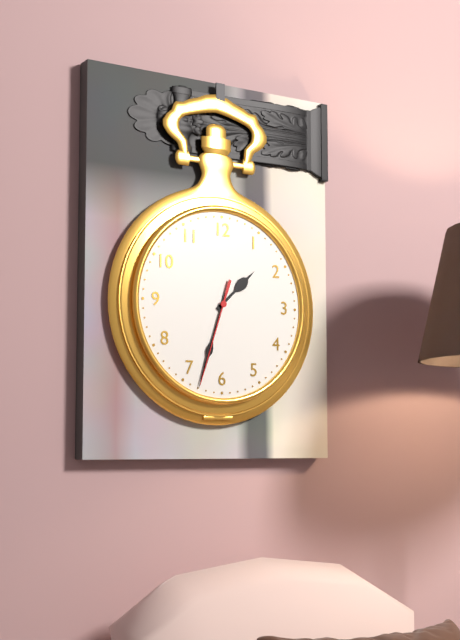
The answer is 1:33:33
